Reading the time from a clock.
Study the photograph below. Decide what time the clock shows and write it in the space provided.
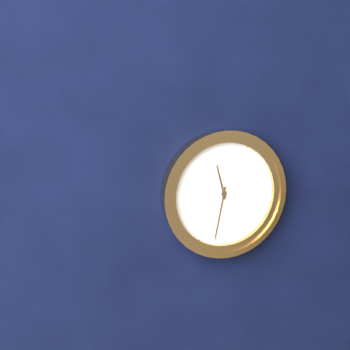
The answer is 11:32
